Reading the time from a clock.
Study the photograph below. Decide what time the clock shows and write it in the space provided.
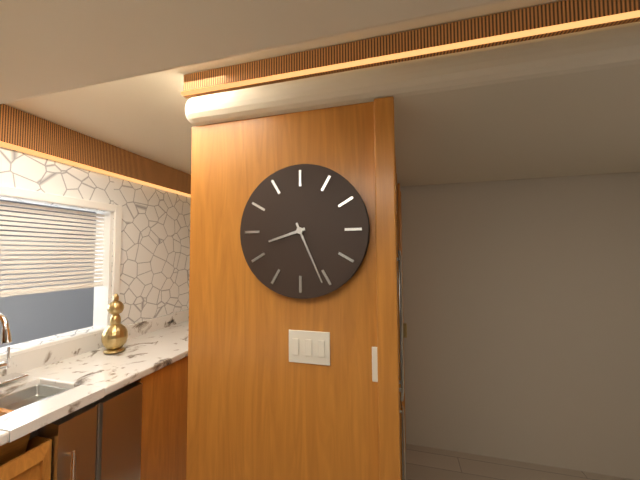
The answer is 8:26
